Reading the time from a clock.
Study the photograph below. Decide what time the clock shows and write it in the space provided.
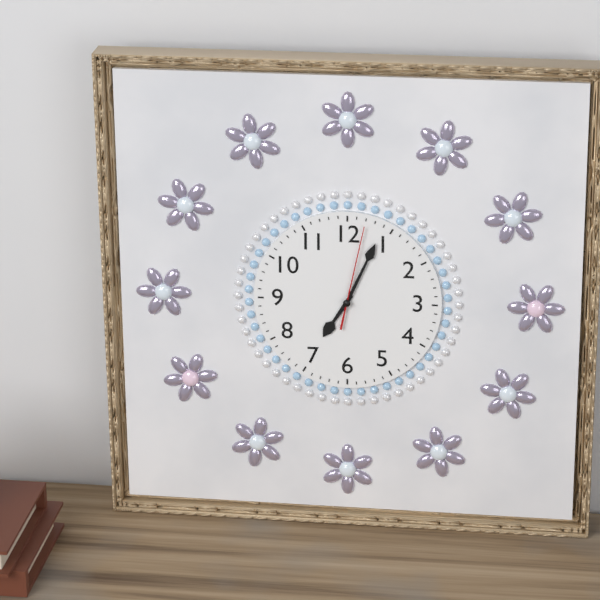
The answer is 7:04:02
